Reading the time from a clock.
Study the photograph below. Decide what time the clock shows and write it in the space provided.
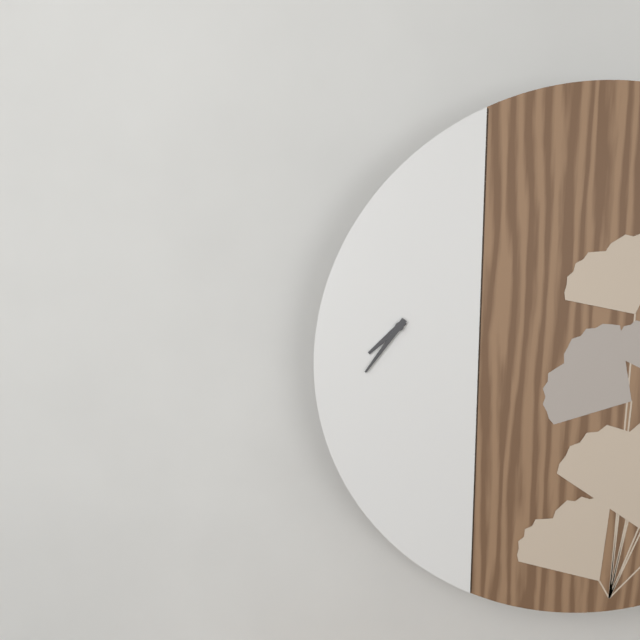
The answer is 7:36
